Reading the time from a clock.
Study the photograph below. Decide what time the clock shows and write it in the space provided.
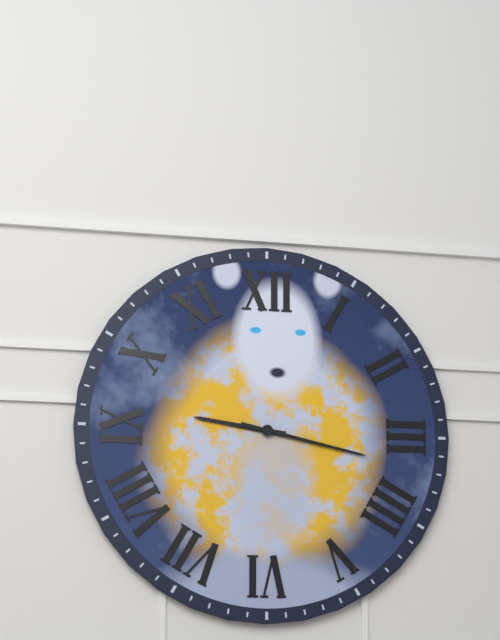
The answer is 9:17
